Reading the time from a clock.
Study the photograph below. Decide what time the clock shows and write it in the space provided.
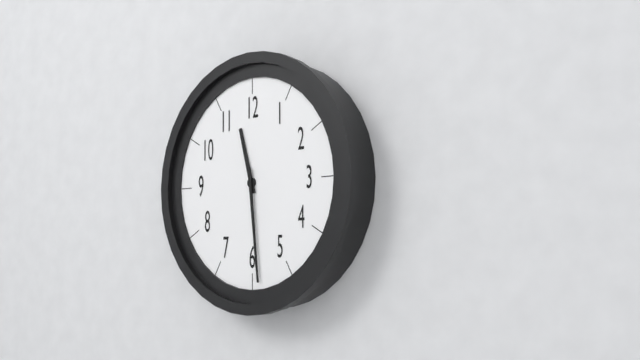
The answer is 11:29
